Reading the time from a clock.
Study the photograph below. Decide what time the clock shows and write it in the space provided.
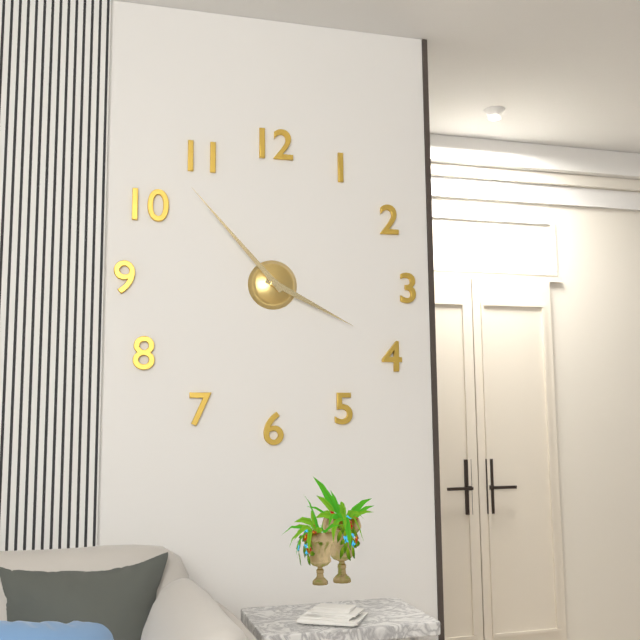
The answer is 3:53
